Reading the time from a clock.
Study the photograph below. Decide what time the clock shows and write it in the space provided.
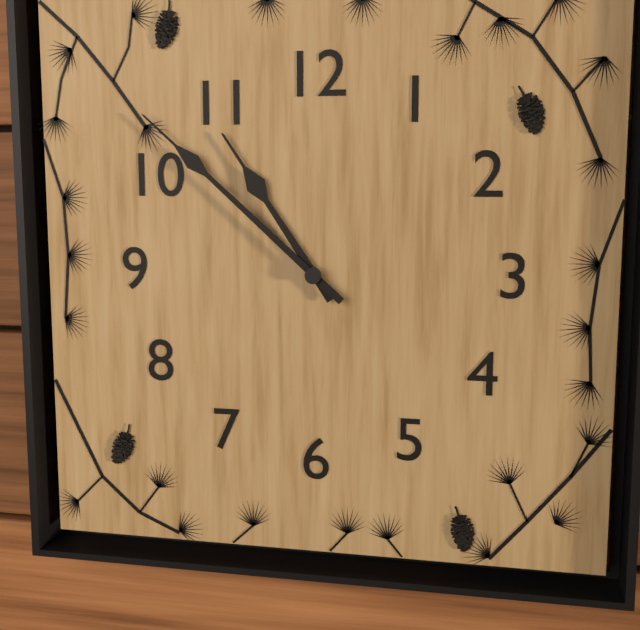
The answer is 10:52
